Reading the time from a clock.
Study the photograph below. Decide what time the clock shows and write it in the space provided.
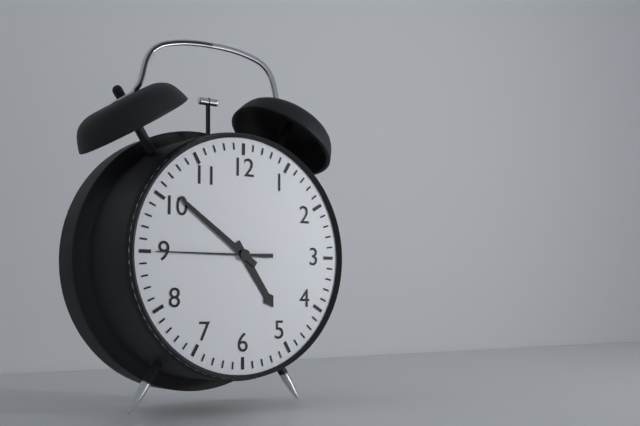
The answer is 4:51:45
